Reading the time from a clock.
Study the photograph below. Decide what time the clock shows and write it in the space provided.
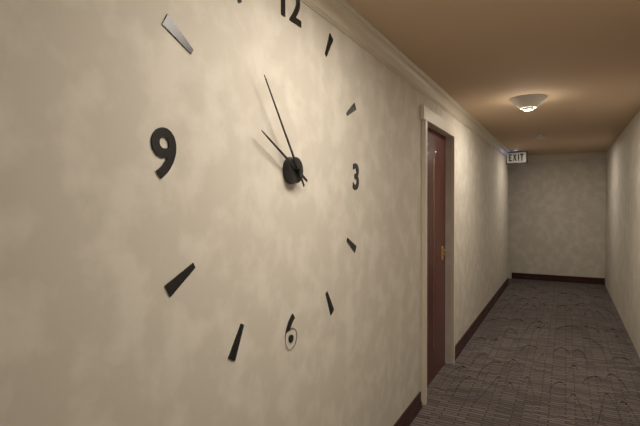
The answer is 9:54
